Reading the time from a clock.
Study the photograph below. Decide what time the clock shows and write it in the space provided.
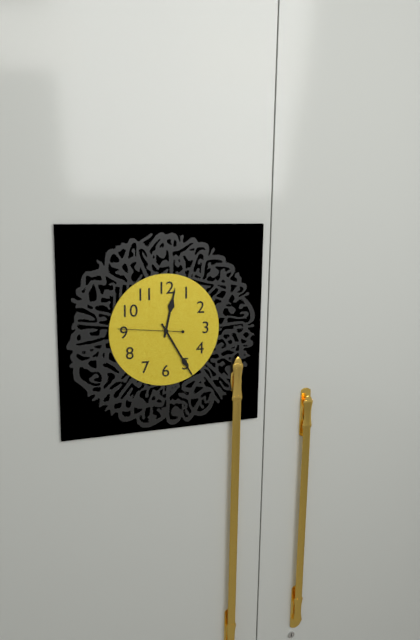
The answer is 12:25:46
